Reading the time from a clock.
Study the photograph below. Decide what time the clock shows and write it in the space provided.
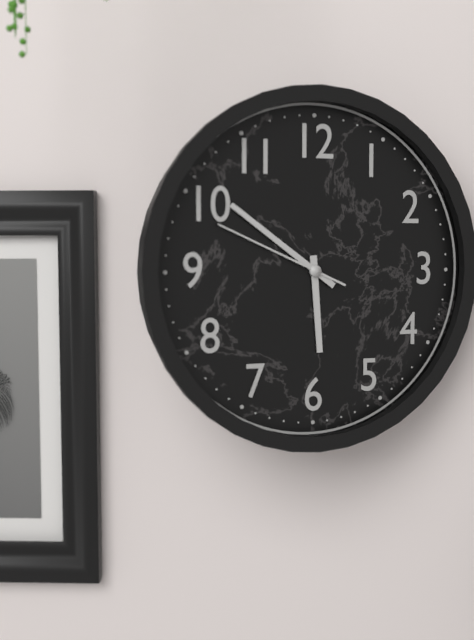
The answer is 5:51:49
